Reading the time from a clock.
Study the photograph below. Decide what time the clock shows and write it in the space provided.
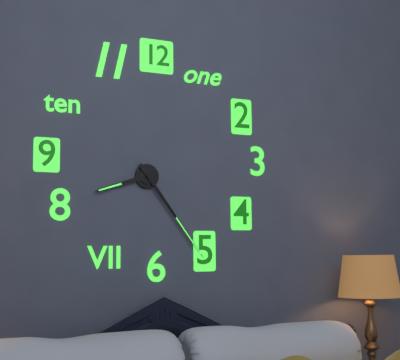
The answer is 8:24
